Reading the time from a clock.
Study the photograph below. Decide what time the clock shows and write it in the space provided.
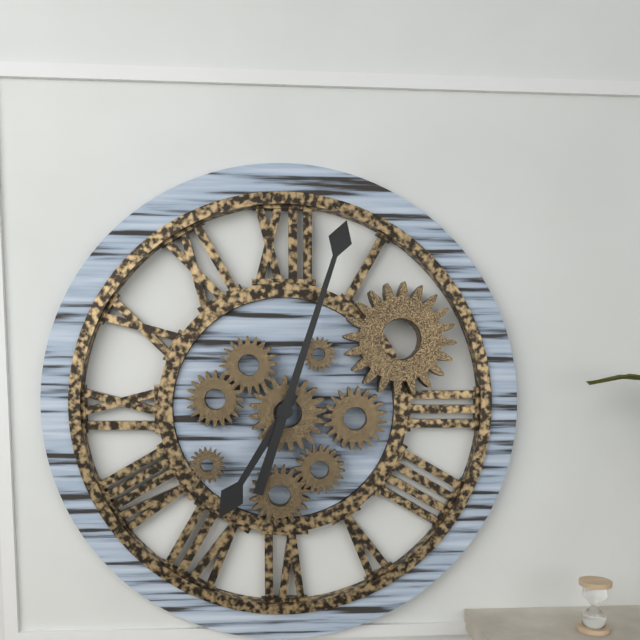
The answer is 7:03
